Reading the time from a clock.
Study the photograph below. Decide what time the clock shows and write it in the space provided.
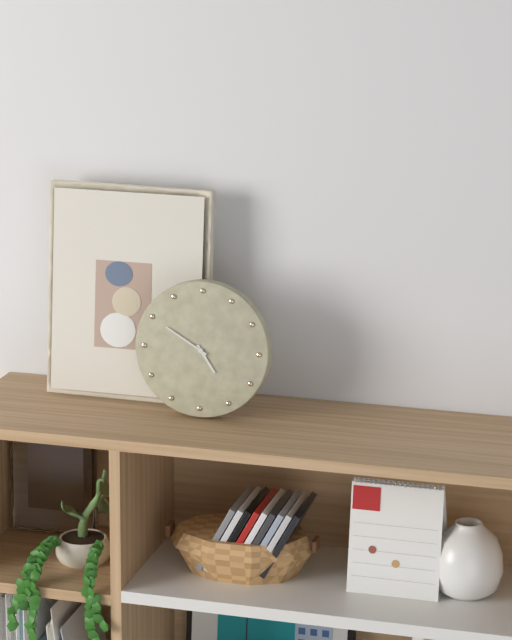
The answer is 4:50
